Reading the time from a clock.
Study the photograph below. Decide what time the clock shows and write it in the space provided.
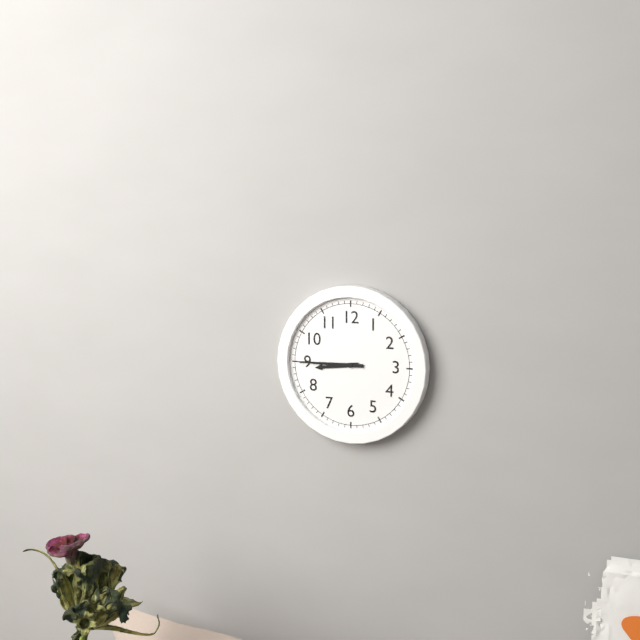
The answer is 8:45
